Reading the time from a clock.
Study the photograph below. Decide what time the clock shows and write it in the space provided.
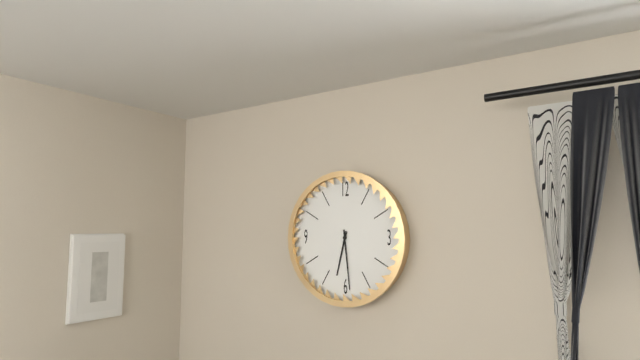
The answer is 6:29
